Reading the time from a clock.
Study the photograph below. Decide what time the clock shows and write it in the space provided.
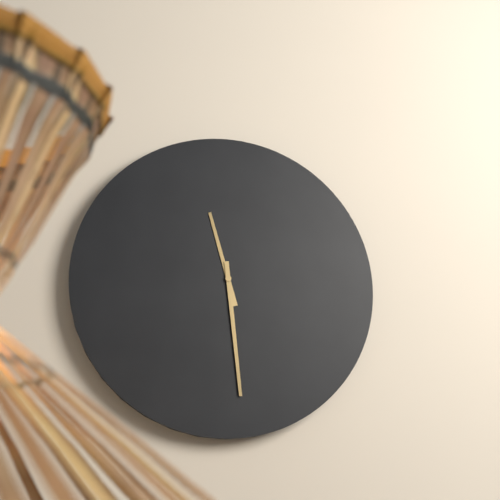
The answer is 11:29
